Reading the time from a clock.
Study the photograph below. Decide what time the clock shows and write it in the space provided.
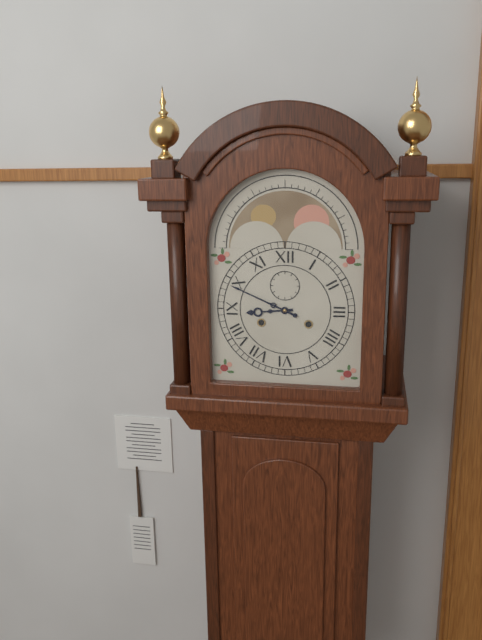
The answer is 8:49
